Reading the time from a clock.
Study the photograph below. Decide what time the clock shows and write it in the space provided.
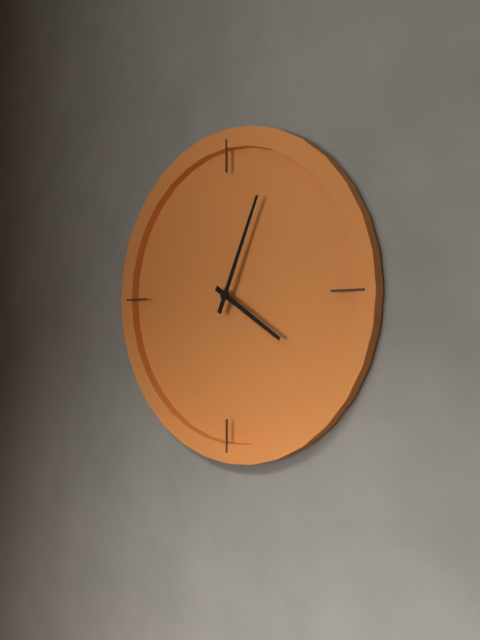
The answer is 4:04
